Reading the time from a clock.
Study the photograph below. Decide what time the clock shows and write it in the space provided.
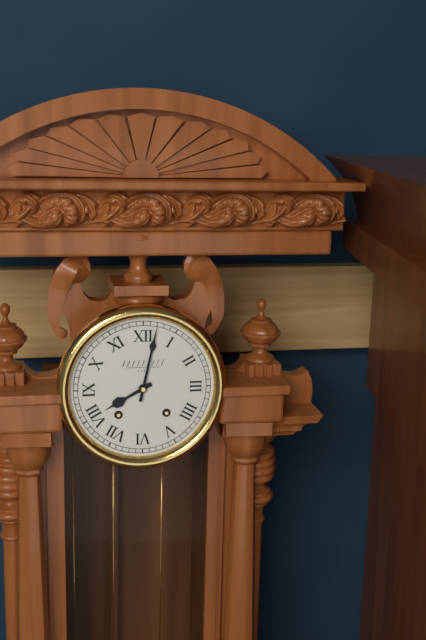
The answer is 8:02
